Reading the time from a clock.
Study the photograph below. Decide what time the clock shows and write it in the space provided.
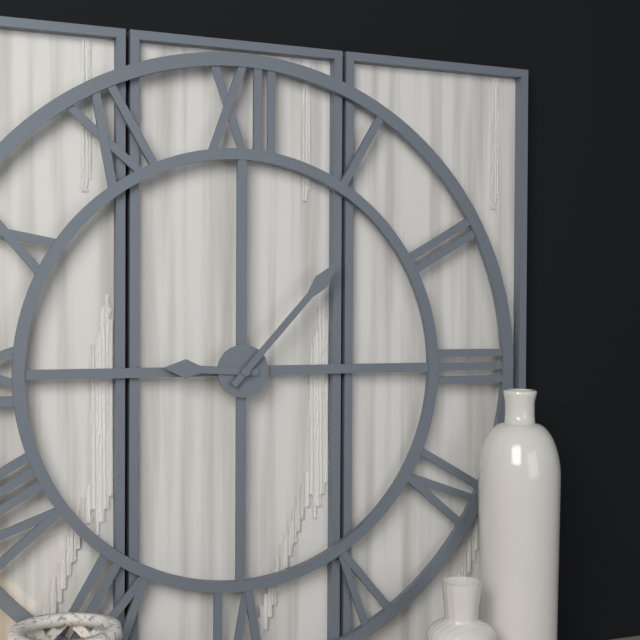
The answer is 9:07
